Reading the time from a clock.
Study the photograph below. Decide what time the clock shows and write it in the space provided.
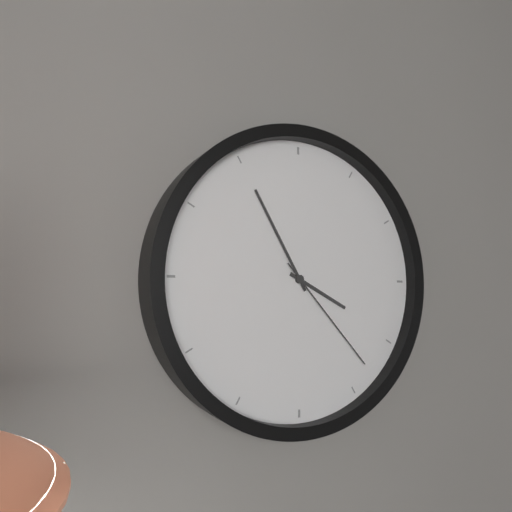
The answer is 3:55:23
